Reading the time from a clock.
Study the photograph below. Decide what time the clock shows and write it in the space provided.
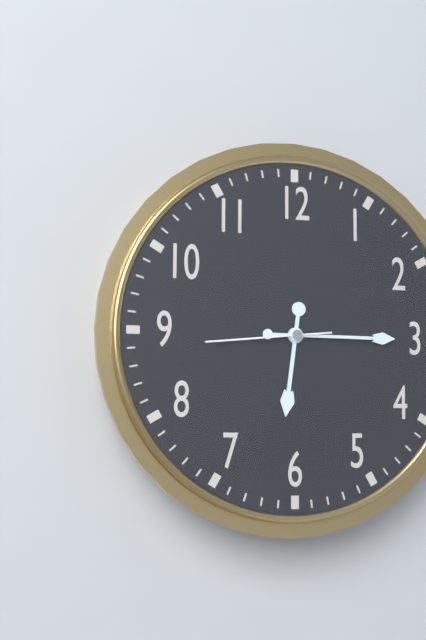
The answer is 6:15:44
